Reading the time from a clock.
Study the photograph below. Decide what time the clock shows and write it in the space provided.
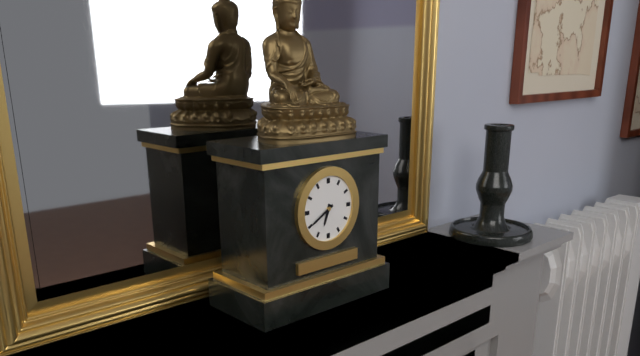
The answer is 6:40
